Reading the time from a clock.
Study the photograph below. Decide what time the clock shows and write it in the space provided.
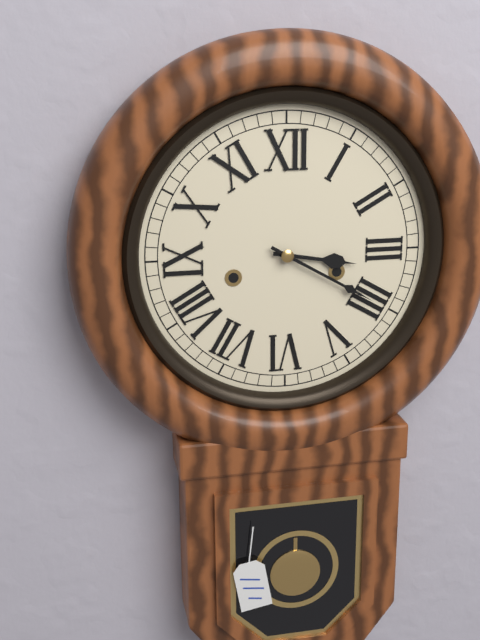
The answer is 3:20
